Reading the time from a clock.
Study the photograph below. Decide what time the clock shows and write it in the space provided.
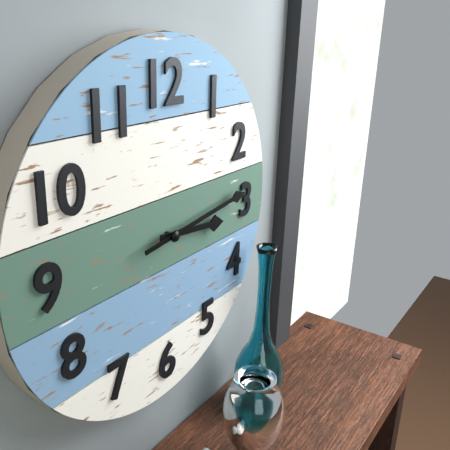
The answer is 3:14
